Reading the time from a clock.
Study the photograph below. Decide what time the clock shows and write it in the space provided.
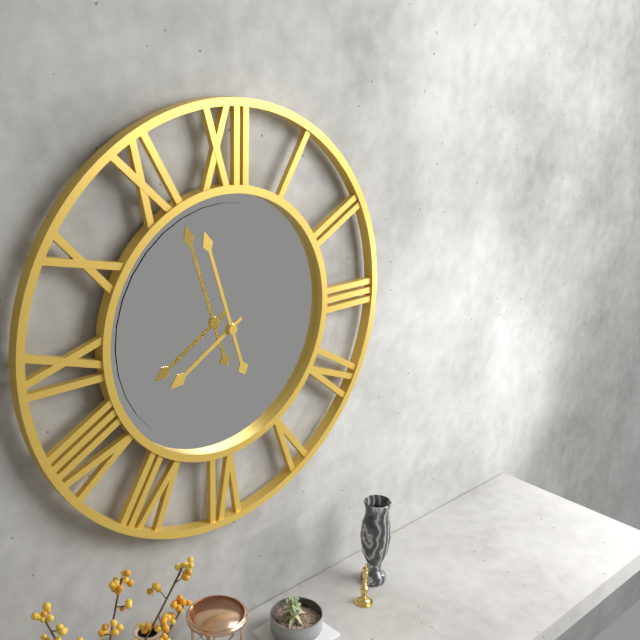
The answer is 7:57
